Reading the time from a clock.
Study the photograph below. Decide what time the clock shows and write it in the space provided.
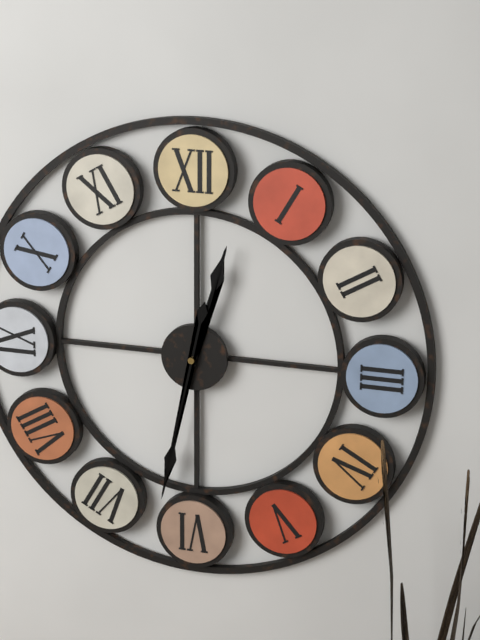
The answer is 12:32
